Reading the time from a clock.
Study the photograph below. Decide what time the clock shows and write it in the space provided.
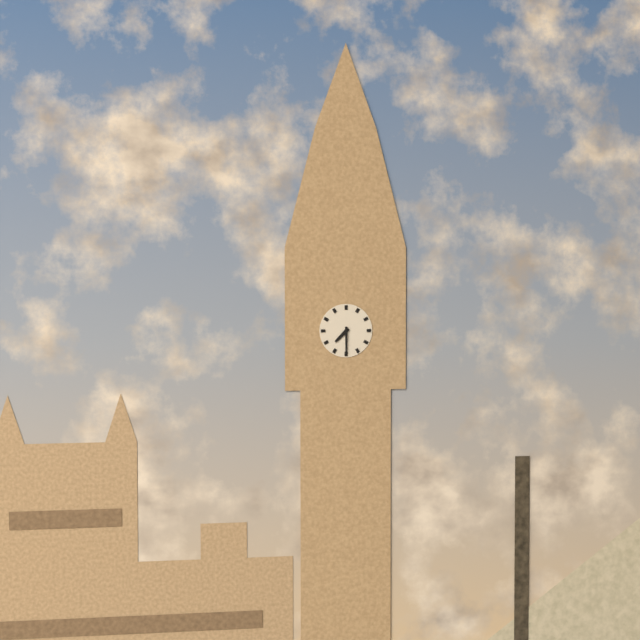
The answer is 7:30
